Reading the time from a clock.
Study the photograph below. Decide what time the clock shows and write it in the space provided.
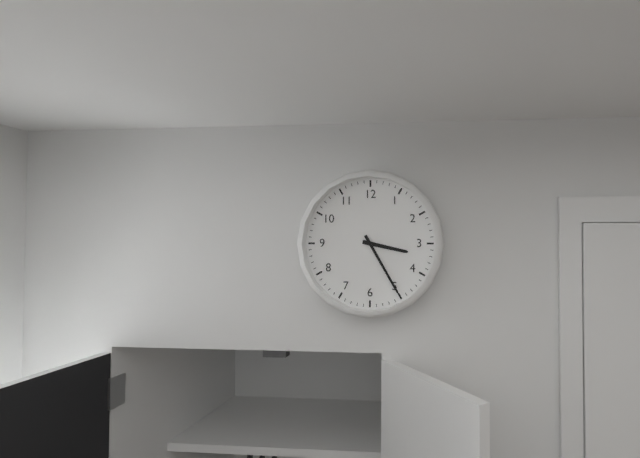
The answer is 3:25
